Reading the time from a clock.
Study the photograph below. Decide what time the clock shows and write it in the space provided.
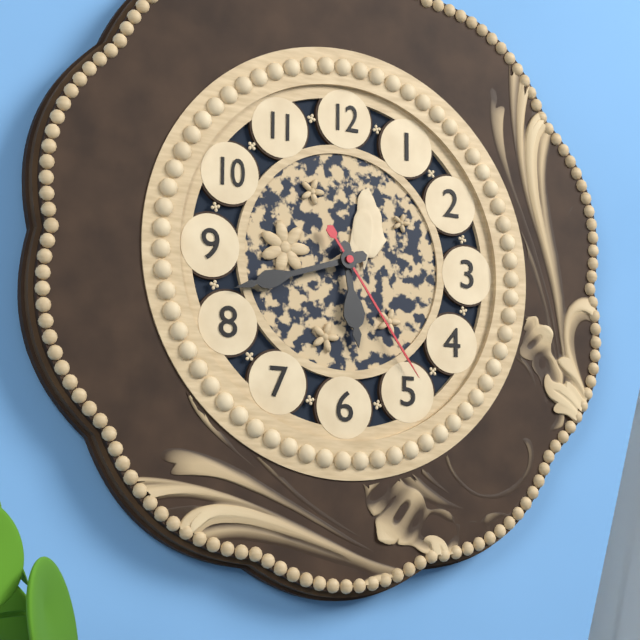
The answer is 5:42:24
